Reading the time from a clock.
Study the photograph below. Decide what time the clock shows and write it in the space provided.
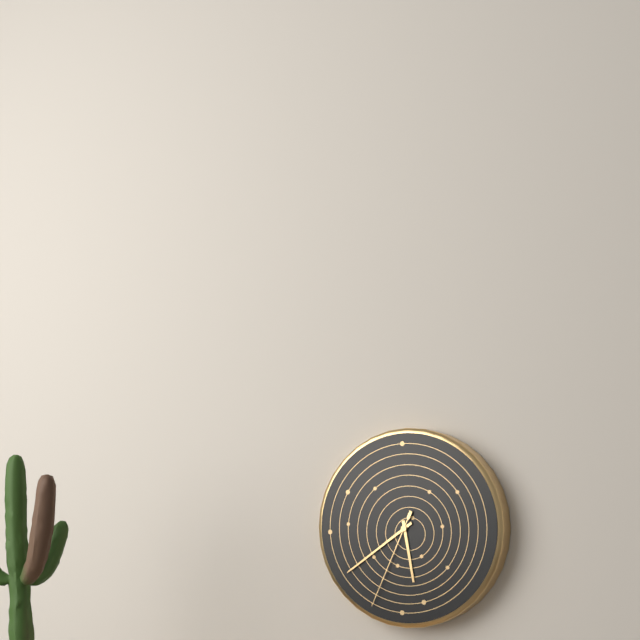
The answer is 5:39:34
